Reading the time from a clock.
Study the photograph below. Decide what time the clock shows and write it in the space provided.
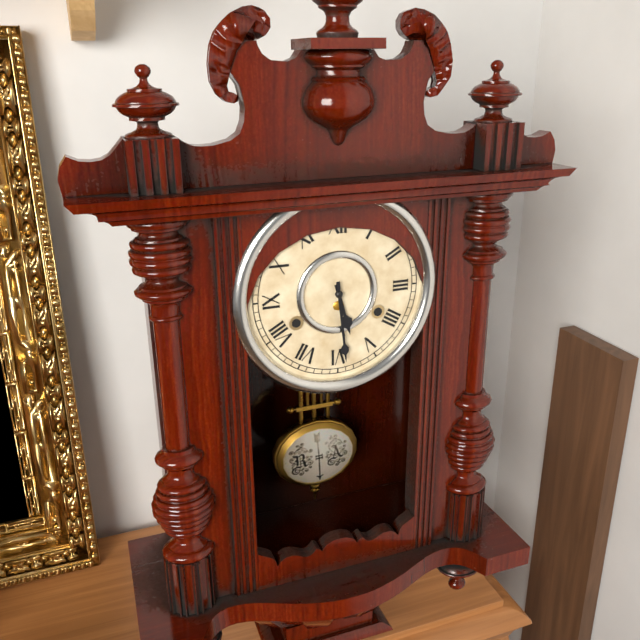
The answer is 5:29
